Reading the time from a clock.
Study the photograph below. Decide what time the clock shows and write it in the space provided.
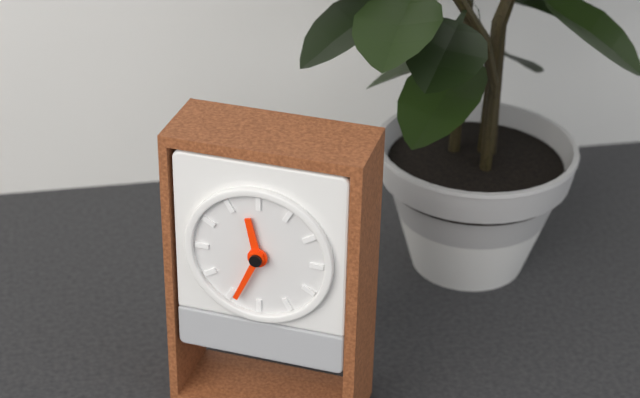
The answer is 11:34
